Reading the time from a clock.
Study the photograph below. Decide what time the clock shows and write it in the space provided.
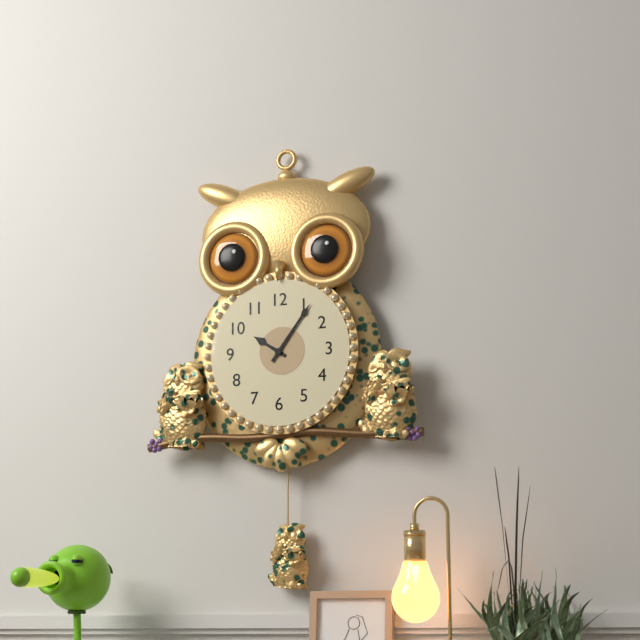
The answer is 10:06
